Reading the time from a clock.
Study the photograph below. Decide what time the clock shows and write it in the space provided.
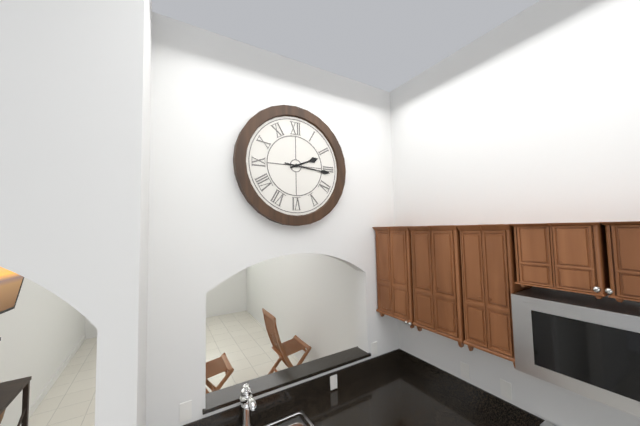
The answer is 2:16
